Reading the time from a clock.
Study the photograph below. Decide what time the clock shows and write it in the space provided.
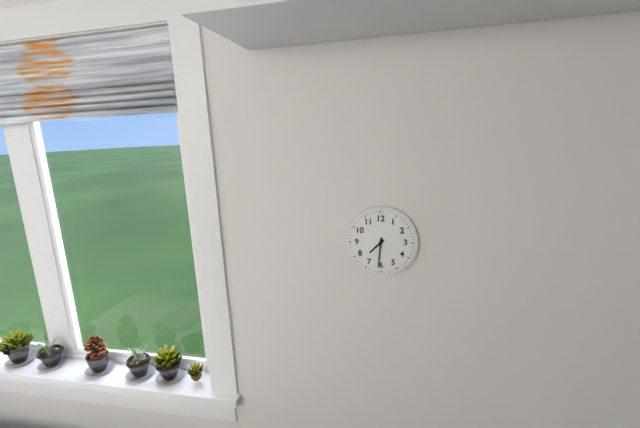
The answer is 7:31
